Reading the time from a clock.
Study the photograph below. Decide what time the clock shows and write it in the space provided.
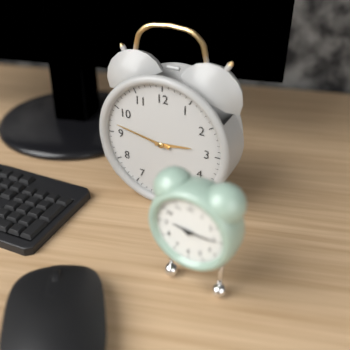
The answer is 2:47
